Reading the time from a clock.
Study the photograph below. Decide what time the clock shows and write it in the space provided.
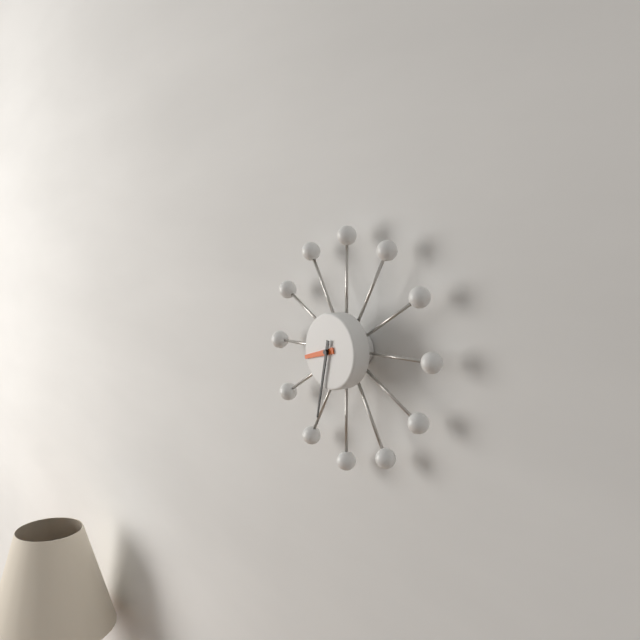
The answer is 8:32
